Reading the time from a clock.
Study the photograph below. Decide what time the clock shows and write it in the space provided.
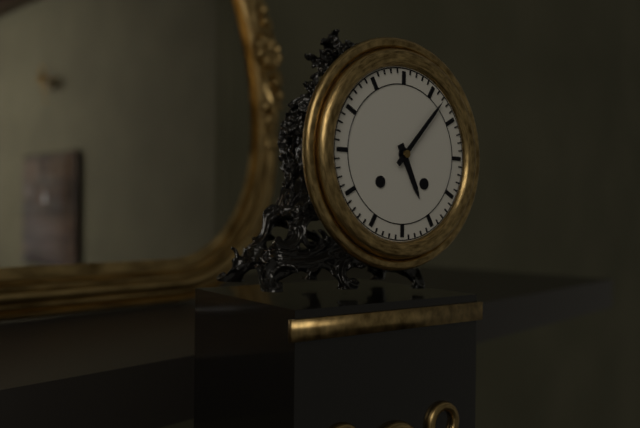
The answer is 5:07
